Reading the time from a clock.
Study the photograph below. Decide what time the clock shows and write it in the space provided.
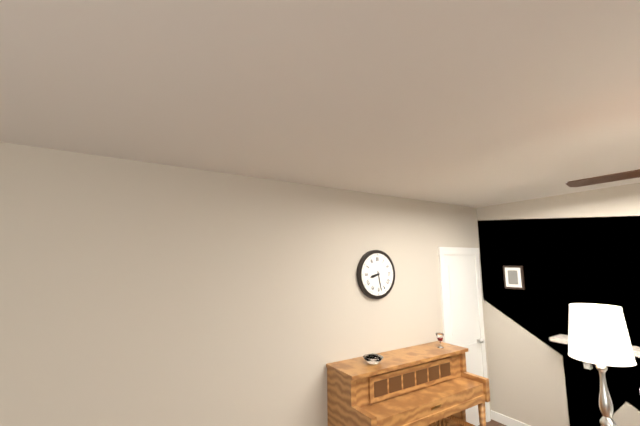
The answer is 8:28
